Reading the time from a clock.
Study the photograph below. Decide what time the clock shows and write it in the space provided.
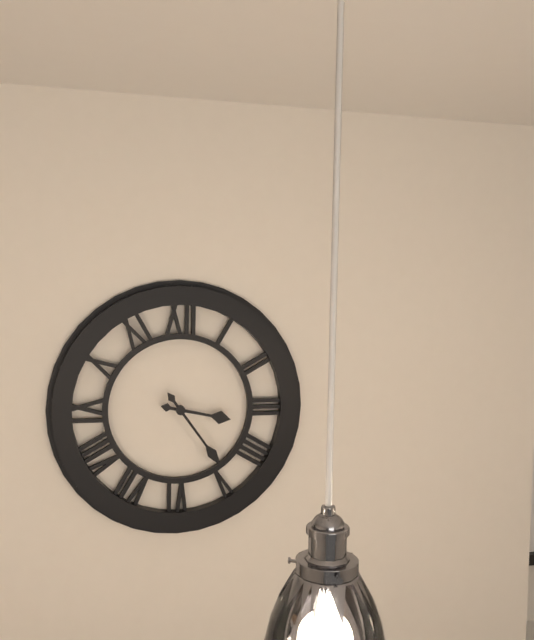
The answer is 3:24
